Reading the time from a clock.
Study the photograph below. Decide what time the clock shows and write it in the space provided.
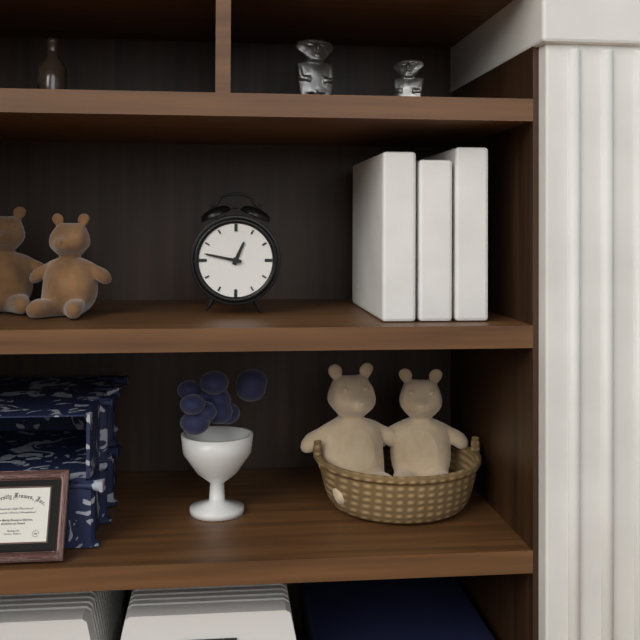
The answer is 12:47
